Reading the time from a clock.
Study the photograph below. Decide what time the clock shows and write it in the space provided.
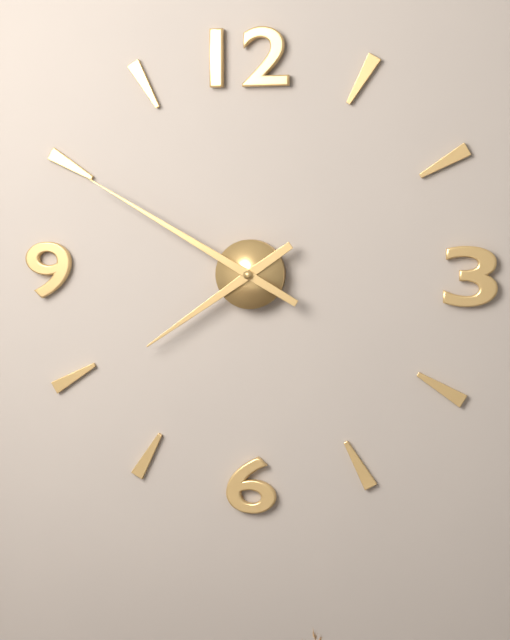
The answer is 7:50
